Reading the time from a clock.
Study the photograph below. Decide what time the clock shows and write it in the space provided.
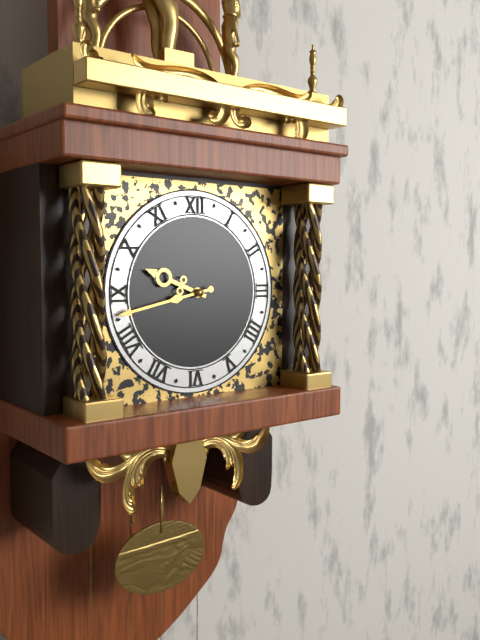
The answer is 9:43
